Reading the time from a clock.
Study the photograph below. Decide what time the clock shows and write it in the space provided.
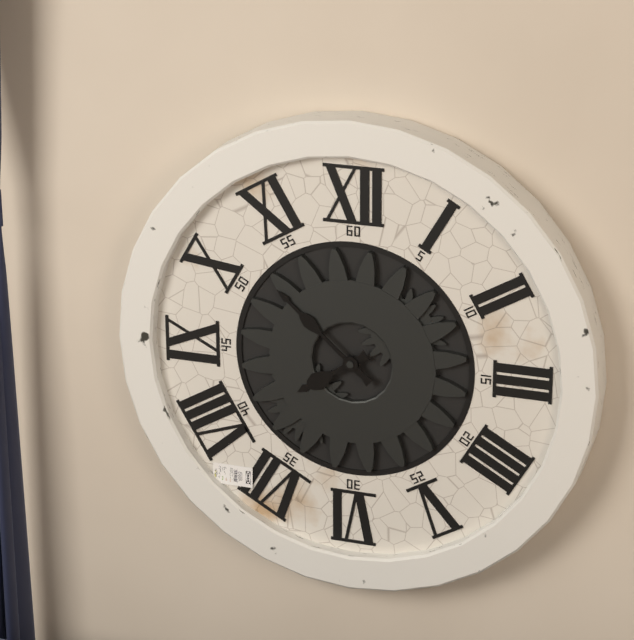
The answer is 7:52
